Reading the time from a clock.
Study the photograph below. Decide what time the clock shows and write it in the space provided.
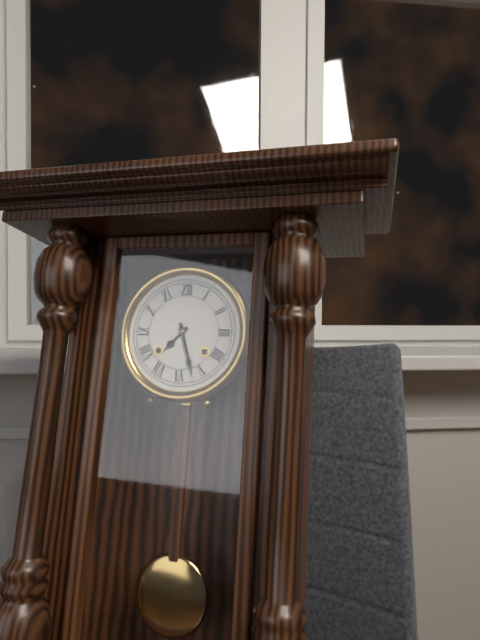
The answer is 7:27
